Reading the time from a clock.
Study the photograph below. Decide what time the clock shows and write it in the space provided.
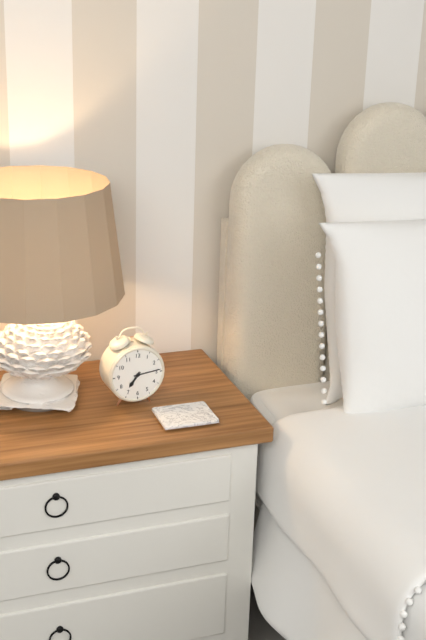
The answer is 7:14
